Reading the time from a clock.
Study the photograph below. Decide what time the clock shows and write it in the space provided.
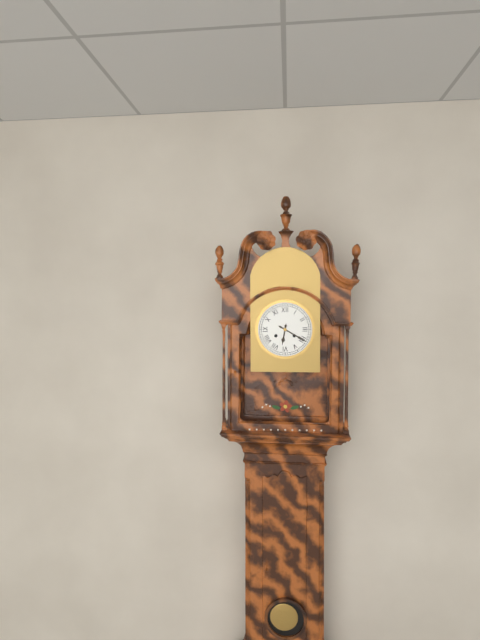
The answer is 6:20
